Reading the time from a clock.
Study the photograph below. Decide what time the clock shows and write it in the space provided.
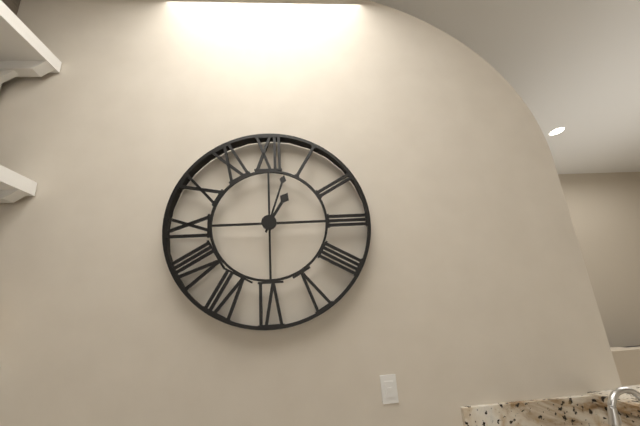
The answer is 1:03
